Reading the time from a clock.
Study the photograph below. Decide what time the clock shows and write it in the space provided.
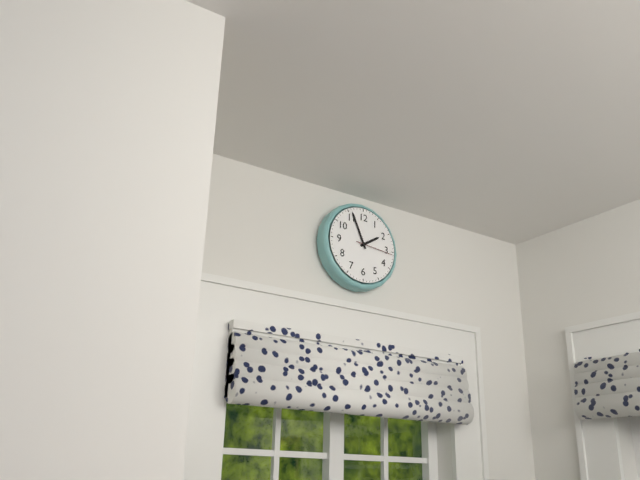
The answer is 1:56
